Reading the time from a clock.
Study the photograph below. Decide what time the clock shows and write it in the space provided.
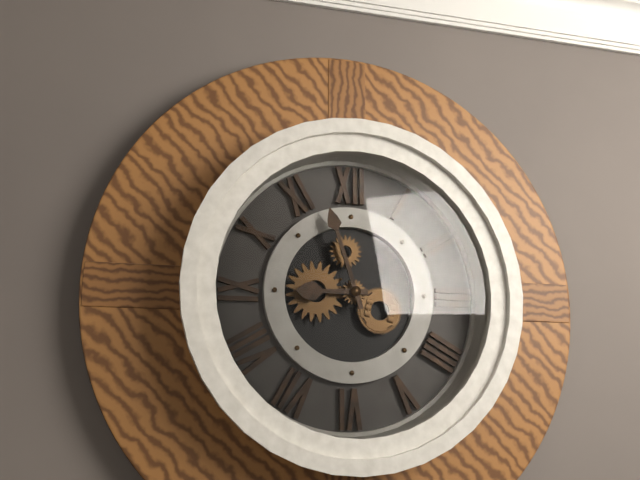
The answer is 8:57
